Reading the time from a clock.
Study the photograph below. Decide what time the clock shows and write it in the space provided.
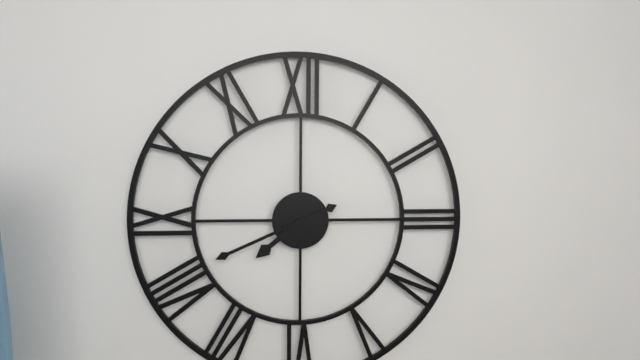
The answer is 7:41
